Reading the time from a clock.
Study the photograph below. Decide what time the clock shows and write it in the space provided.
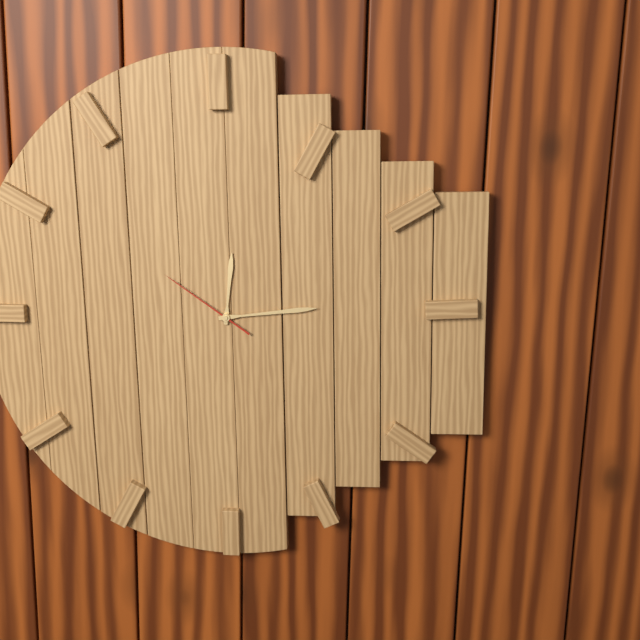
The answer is 12:14:51
